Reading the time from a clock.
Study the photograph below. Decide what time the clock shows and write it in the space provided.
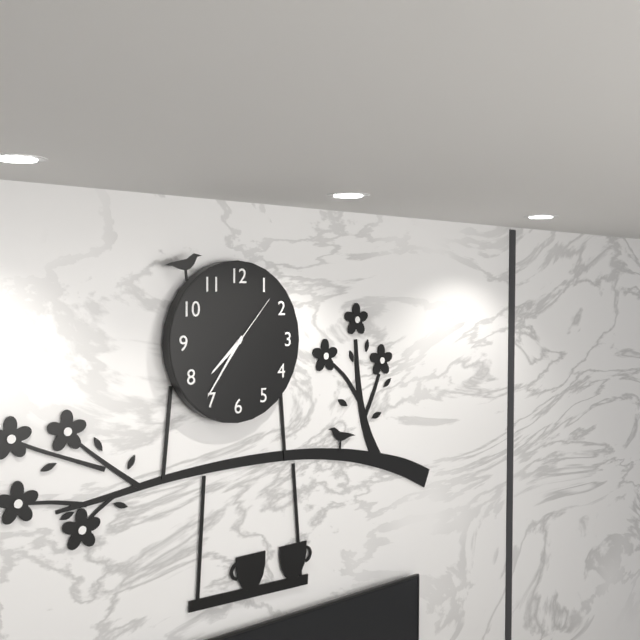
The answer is 7:36:07
